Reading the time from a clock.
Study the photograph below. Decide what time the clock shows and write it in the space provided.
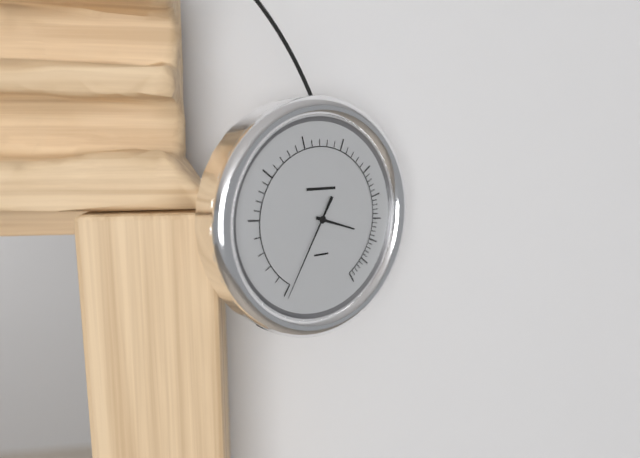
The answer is 3:35
